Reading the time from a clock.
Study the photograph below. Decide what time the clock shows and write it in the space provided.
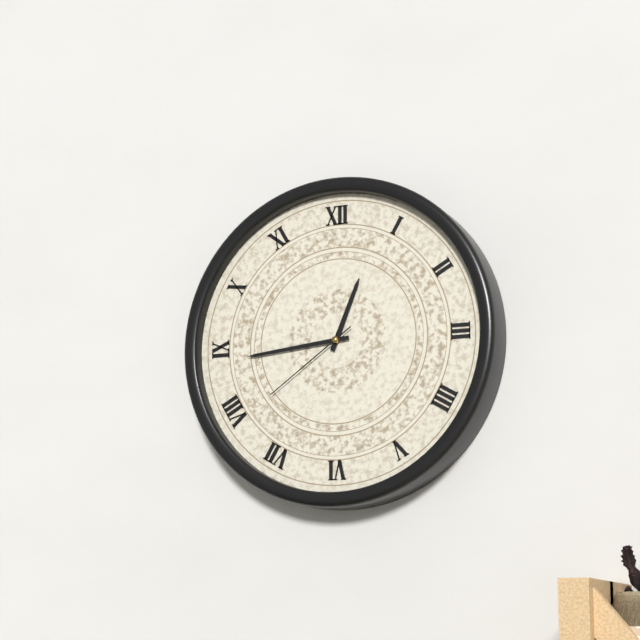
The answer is 12:44:39
